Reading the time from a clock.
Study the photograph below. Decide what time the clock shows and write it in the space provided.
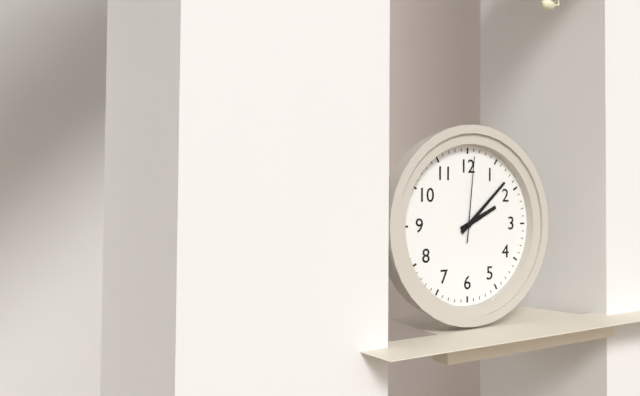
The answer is 2:08:01
